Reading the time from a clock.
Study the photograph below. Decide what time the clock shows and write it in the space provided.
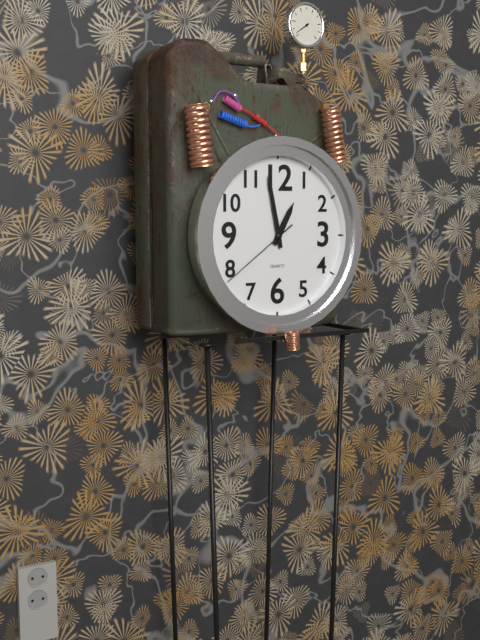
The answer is 12:58:39
